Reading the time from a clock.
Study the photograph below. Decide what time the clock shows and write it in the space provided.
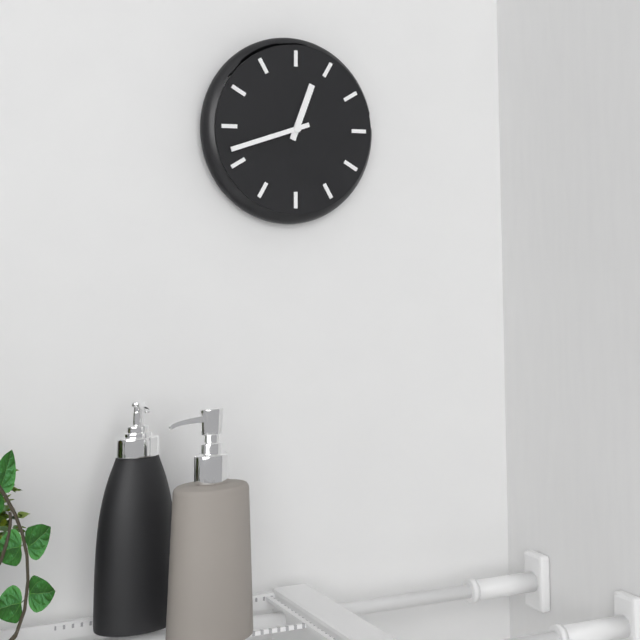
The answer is 12:42
